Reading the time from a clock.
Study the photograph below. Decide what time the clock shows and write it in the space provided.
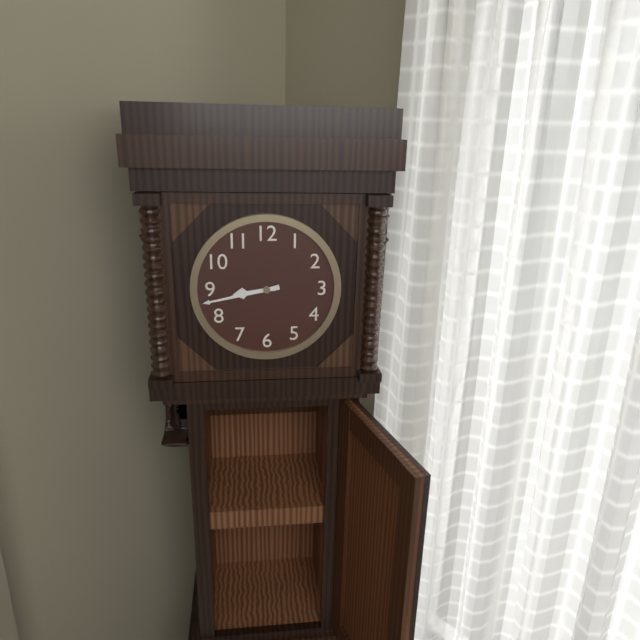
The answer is 8:43
